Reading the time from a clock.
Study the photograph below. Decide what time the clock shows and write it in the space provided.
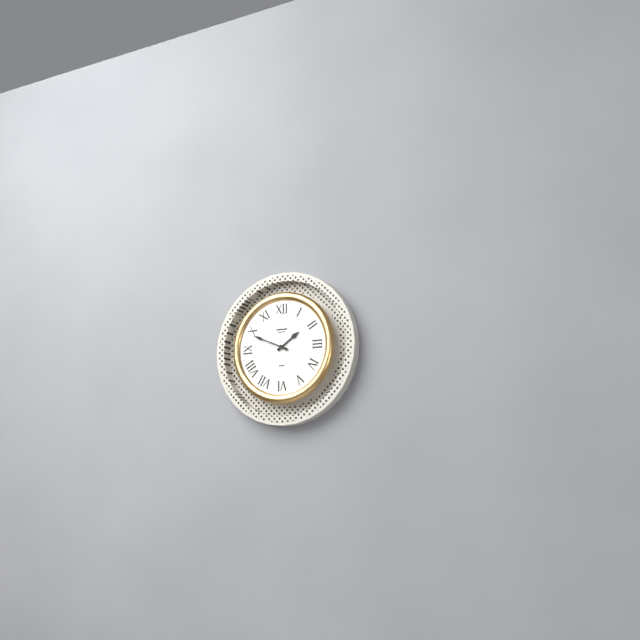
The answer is 1:49
